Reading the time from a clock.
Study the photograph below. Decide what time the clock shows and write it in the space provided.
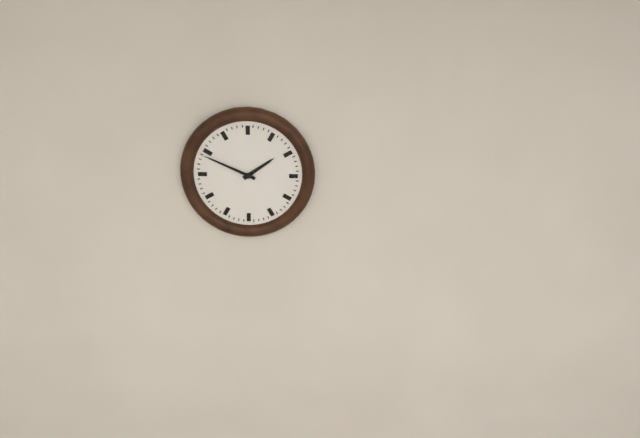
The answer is 1:49
